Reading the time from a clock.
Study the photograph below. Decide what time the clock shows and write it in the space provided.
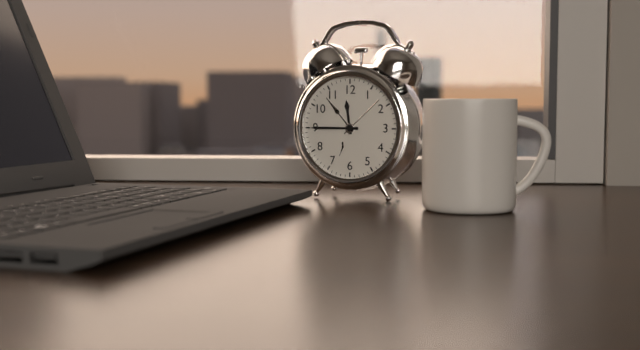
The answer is 11:45
